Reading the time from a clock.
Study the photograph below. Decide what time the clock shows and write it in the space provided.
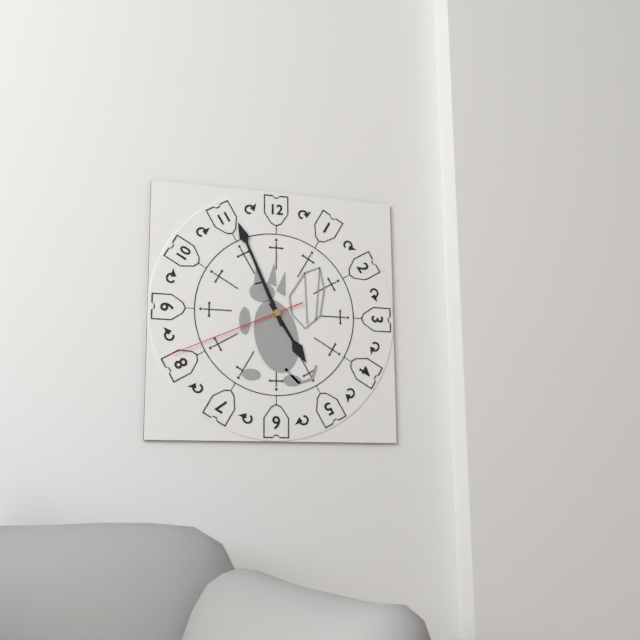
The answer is 4:56:41
